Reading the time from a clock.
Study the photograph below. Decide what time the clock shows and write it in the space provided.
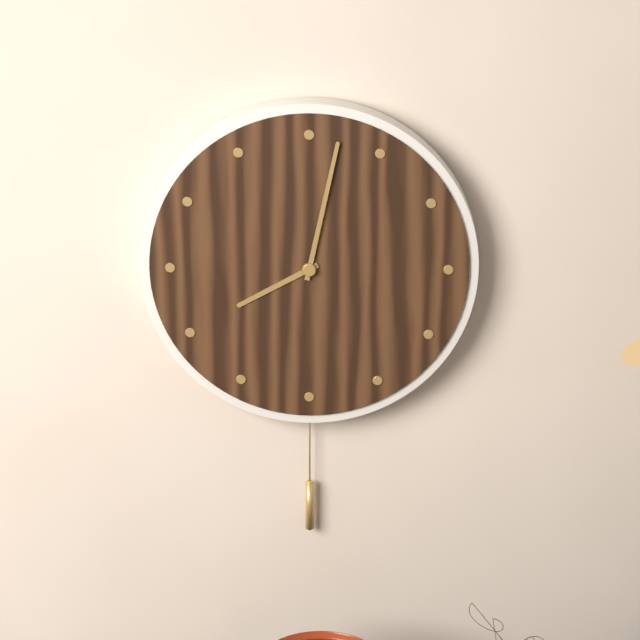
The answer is 8:02
